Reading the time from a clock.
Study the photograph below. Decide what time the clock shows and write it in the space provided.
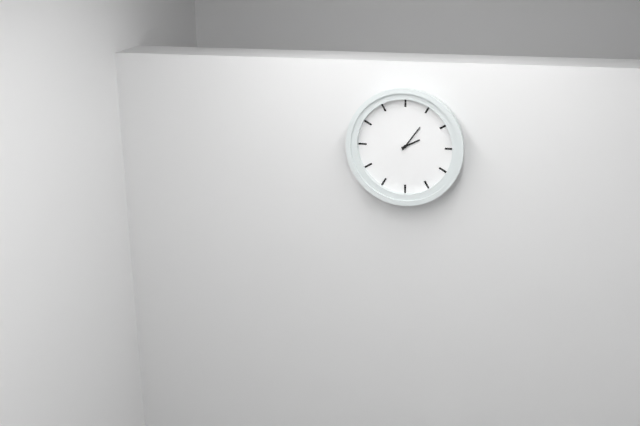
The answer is 2:06
